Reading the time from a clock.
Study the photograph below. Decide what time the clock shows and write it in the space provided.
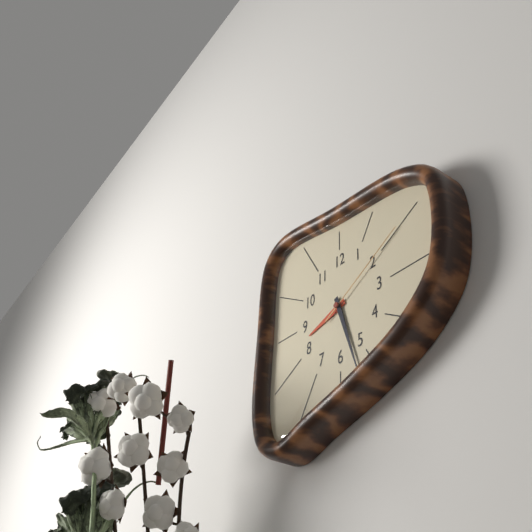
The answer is 8:27:10
